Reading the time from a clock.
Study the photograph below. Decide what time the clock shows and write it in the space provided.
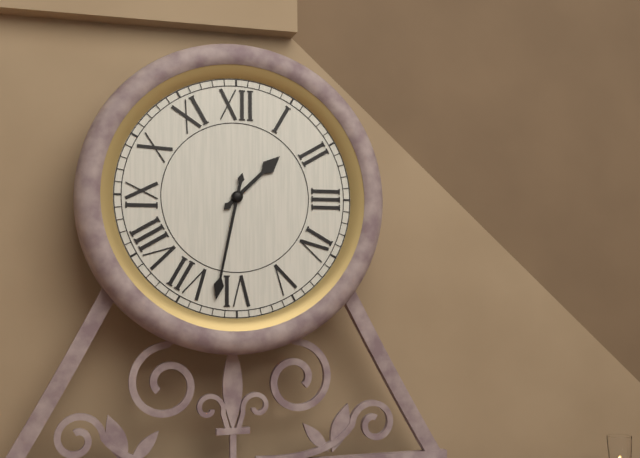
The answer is 1:32
